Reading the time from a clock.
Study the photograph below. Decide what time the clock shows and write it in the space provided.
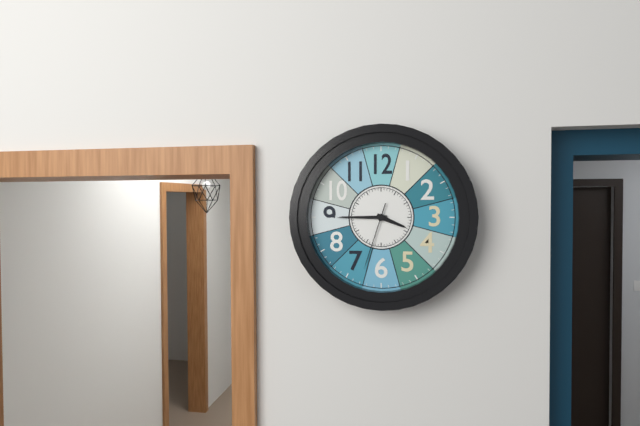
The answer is 3:45:33
